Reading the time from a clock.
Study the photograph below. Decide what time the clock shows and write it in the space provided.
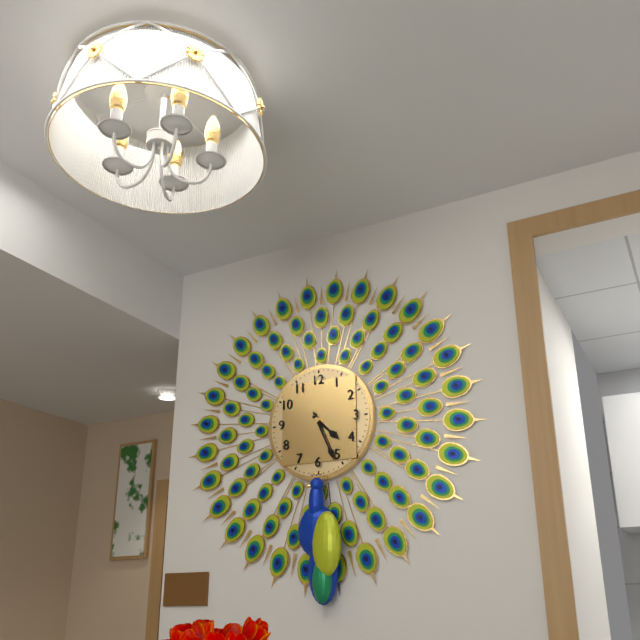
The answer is 4:26
